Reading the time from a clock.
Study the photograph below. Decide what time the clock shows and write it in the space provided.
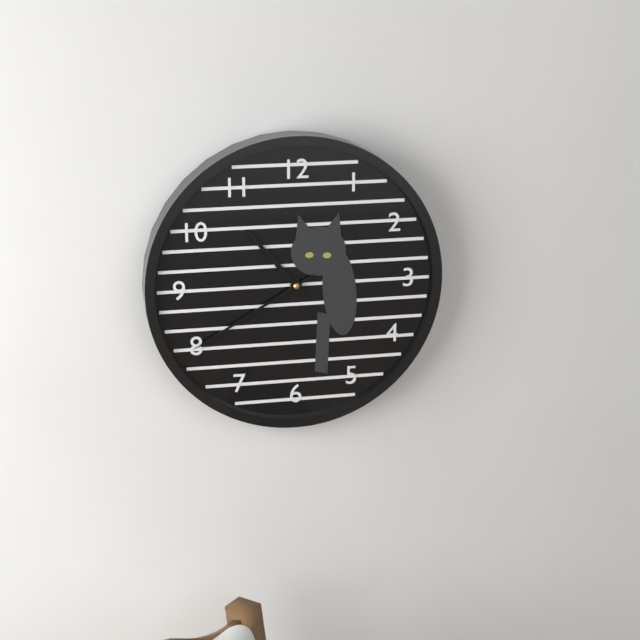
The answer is 10:40
